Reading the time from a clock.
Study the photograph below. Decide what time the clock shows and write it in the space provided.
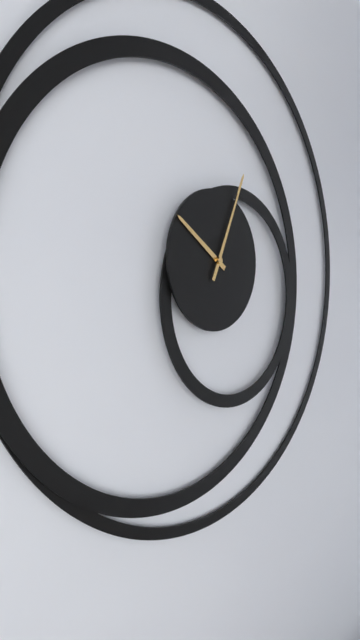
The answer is 10:04
